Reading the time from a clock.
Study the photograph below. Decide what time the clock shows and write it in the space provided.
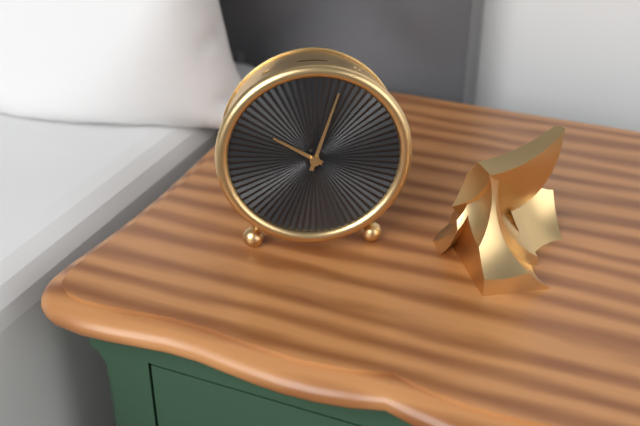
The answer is 10:03
